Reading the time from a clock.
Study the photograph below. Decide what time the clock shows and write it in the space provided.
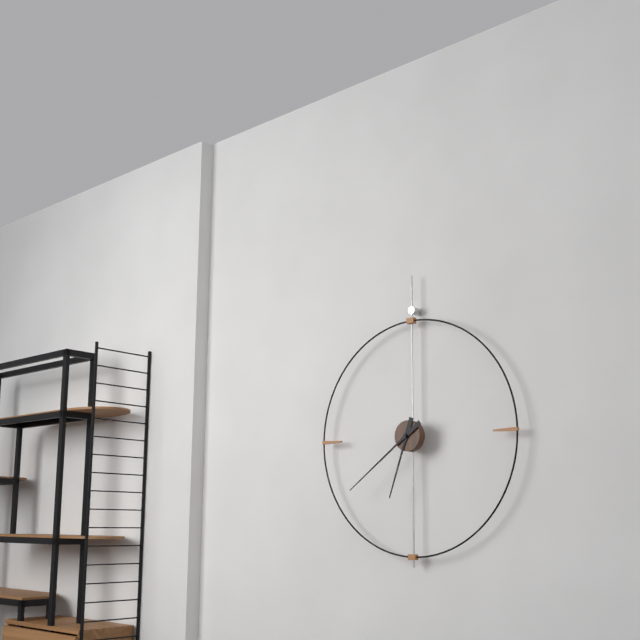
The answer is 6:39
